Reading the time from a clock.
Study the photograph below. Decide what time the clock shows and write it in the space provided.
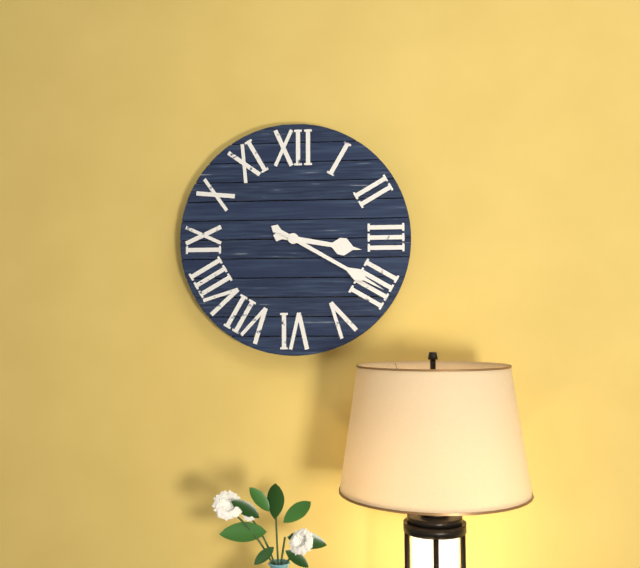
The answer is 3:20
